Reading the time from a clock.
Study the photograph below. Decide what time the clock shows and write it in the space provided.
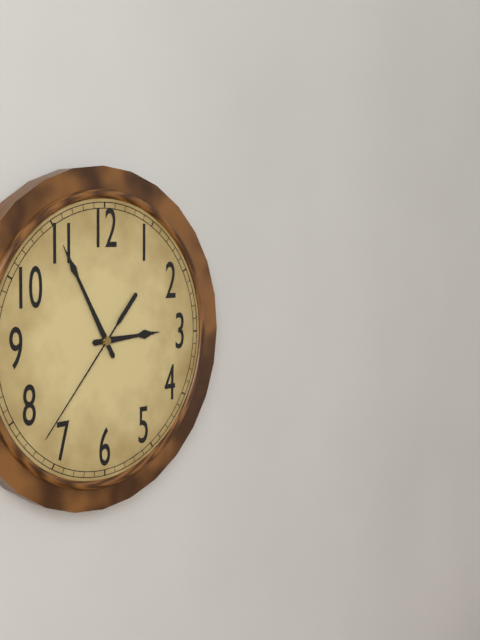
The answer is 2:55:37
